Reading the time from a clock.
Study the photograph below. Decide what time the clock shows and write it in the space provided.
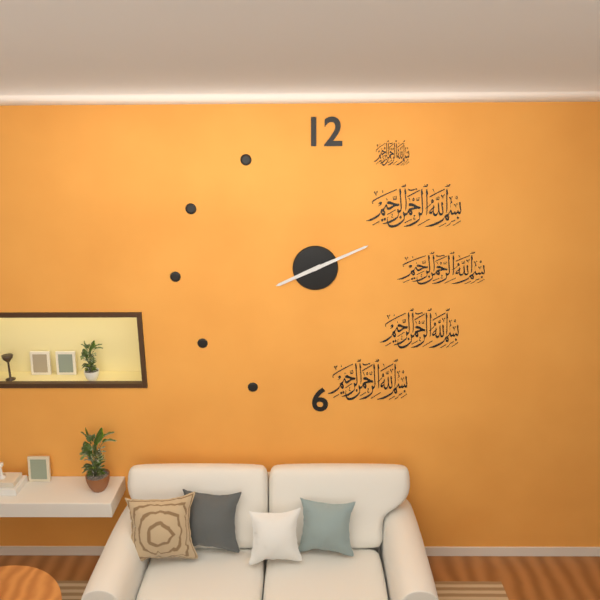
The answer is 8:11
